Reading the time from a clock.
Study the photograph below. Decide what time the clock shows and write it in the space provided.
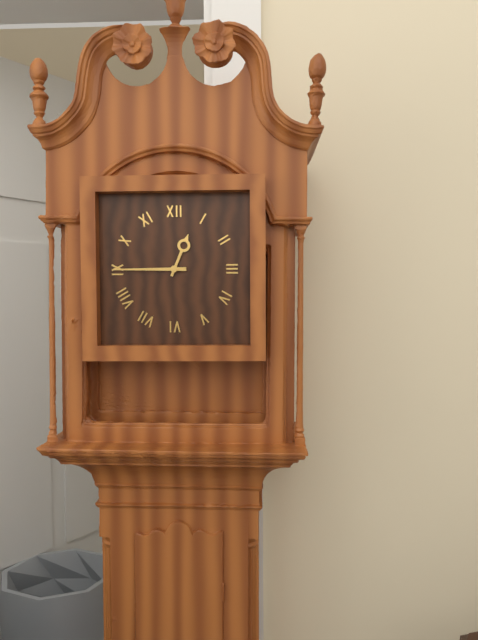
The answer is 12:45
